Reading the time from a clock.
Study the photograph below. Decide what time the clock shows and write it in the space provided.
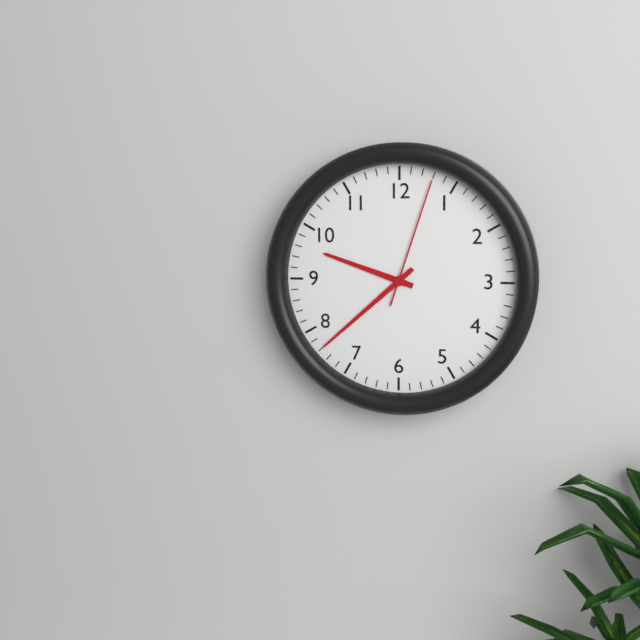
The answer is 9:38:03
